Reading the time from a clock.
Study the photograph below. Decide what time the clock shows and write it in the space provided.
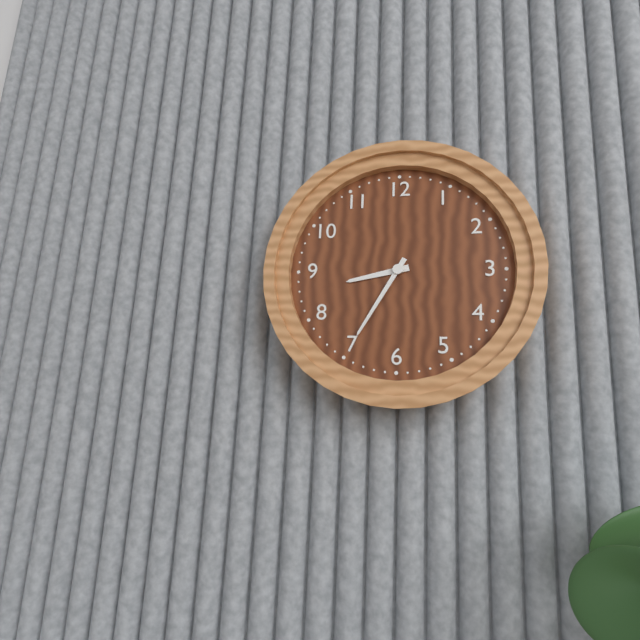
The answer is 8:35
